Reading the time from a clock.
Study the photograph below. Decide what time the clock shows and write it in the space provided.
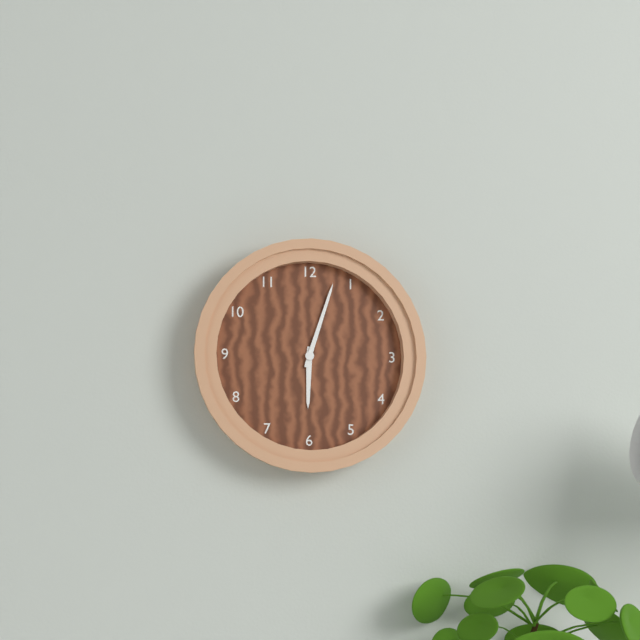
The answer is 6:03
